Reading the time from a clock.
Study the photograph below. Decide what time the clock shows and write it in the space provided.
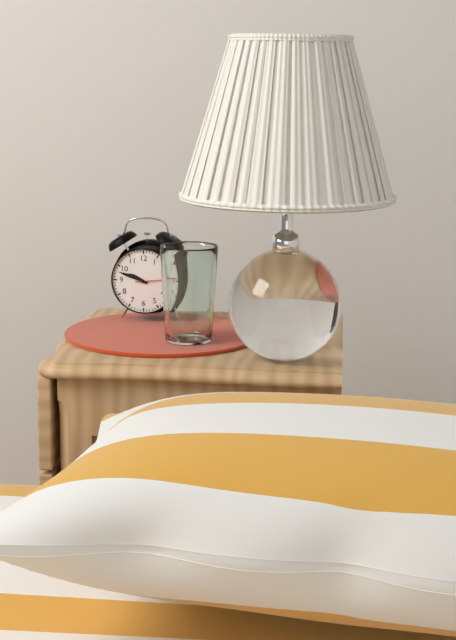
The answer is 9:48
